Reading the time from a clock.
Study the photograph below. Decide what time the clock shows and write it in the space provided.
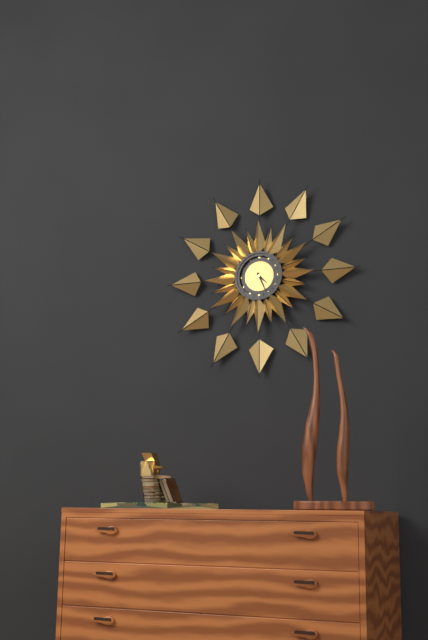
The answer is 4:26
